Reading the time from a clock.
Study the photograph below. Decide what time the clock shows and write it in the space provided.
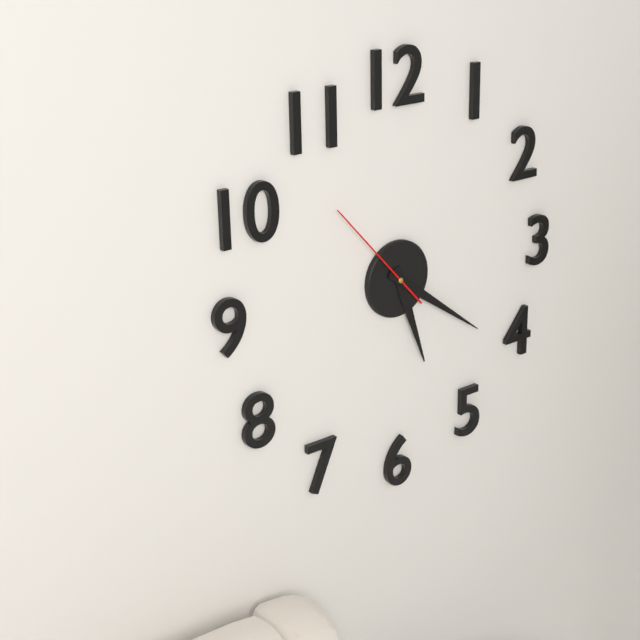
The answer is 5:21:53
